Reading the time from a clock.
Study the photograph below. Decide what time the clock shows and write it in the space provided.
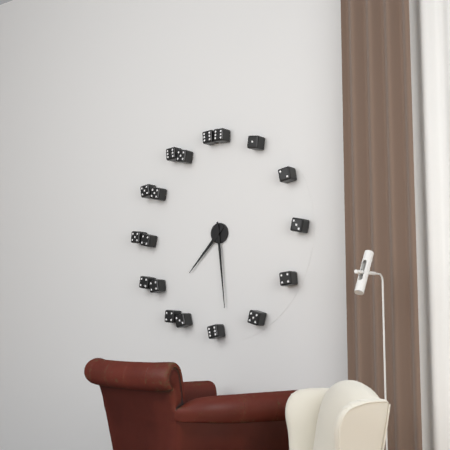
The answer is 7:29
